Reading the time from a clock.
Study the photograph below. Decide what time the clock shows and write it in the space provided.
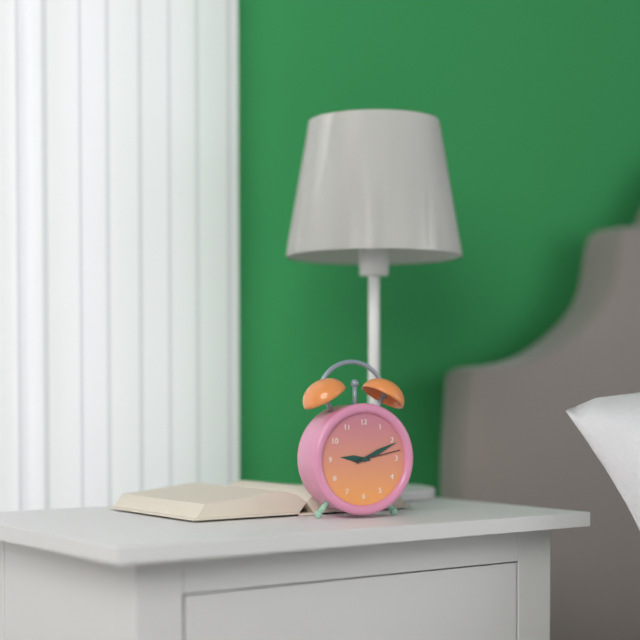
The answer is 9:11:13
